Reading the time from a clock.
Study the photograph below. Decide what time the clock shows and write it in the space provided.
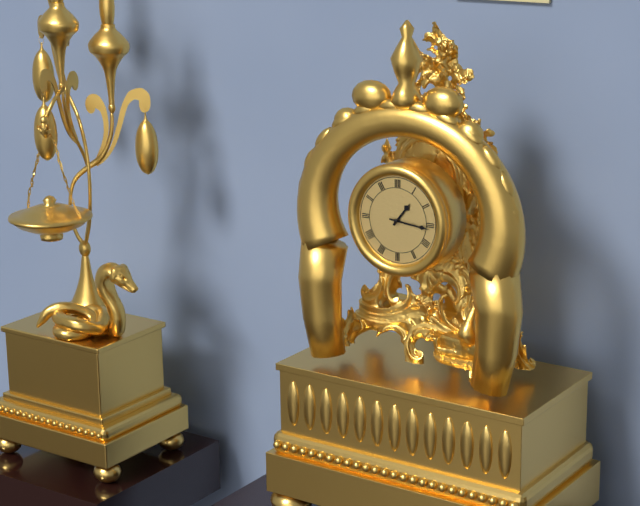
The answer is 1:16
